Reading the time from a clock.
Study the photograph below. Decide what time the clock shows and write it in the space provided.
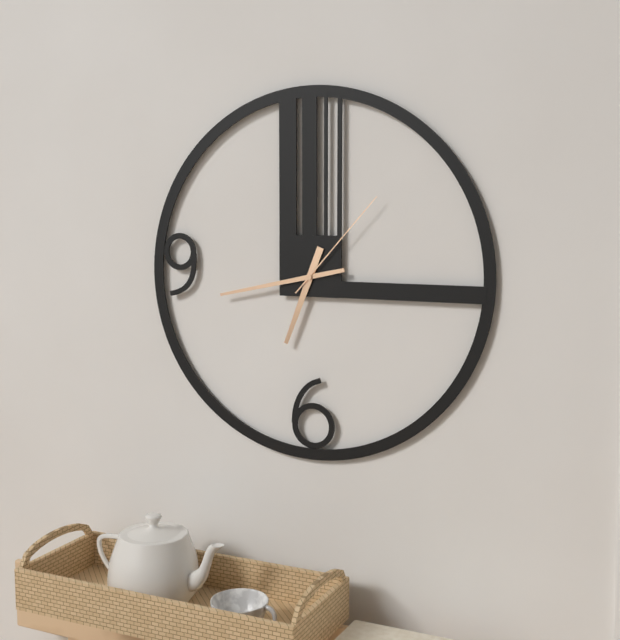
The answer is 6:43:07
